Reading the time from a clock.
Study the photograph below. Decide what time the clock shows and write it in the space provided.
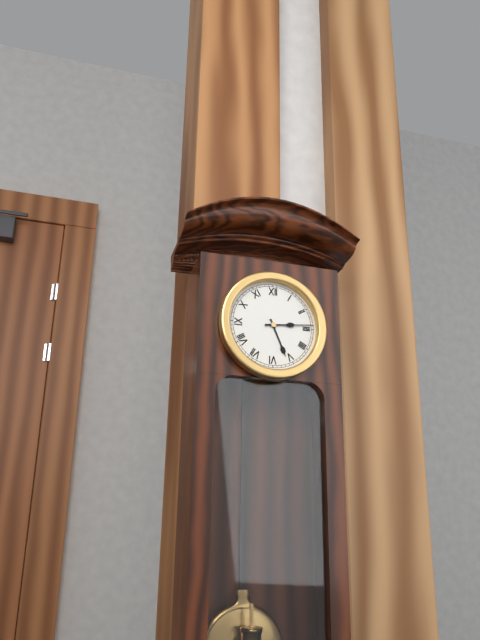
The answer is 5:14
